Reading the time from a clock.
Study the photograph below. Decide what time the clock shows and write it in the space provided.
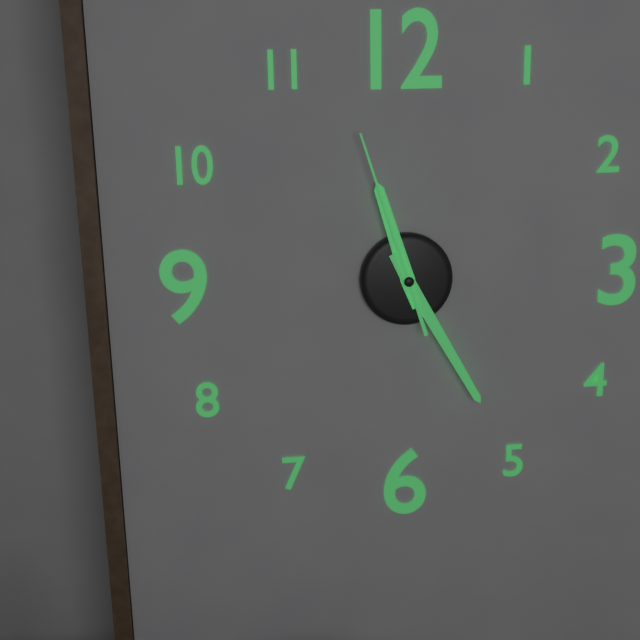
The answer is 11:25:57
